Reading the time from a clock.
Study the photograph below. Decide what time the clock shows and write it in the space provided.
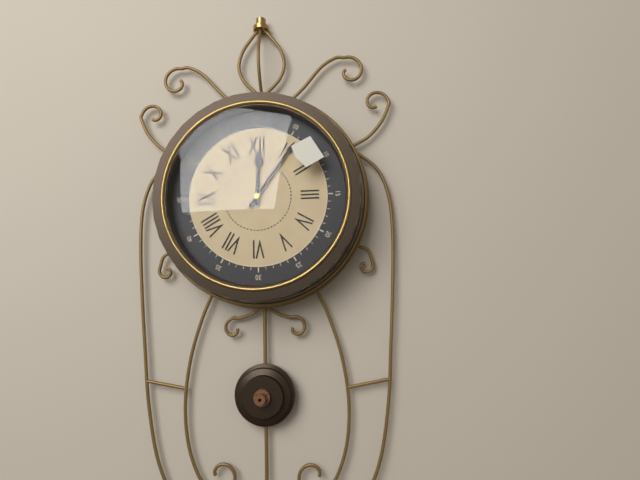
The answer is 12:06
